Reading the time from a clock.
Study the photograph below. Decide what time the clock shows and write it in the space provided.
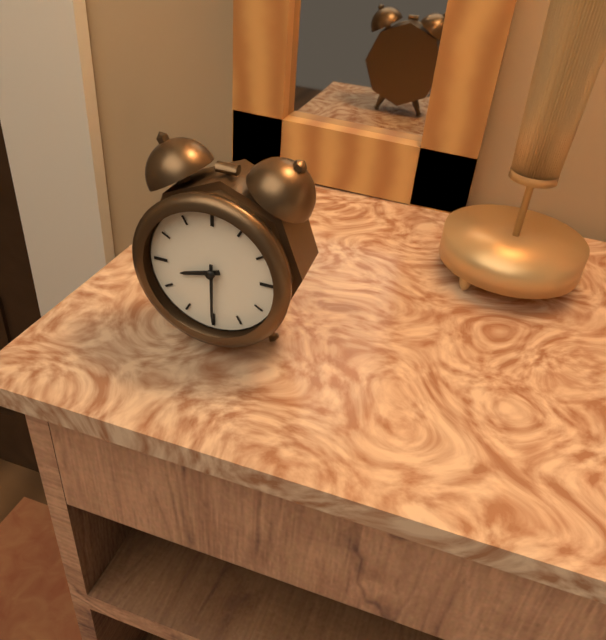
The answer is 8:30
